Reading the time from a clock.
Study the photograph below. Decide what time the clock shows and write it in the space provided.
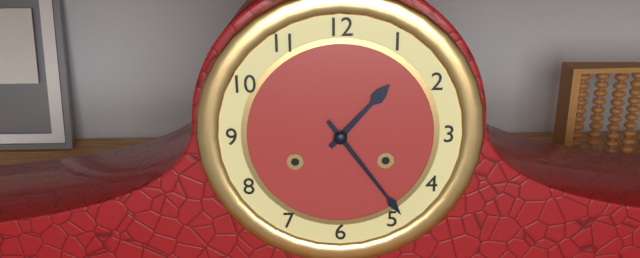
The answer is 1:24
